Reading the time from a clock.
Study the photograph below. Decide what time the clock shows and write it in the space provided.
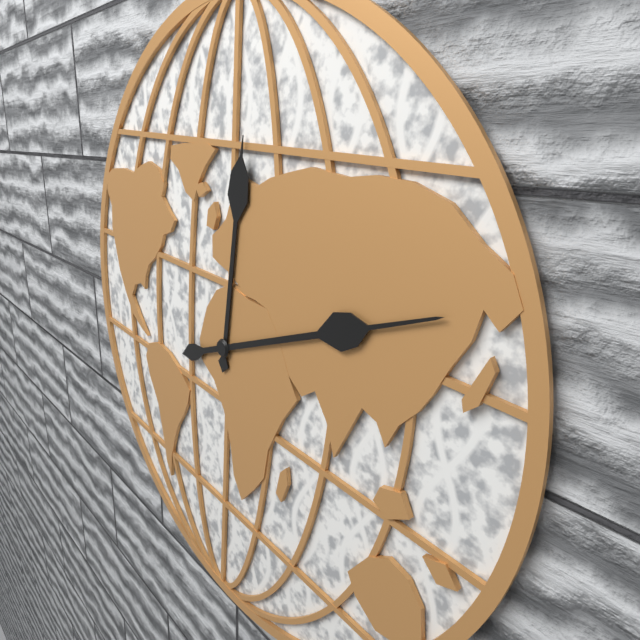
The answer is 12:11
